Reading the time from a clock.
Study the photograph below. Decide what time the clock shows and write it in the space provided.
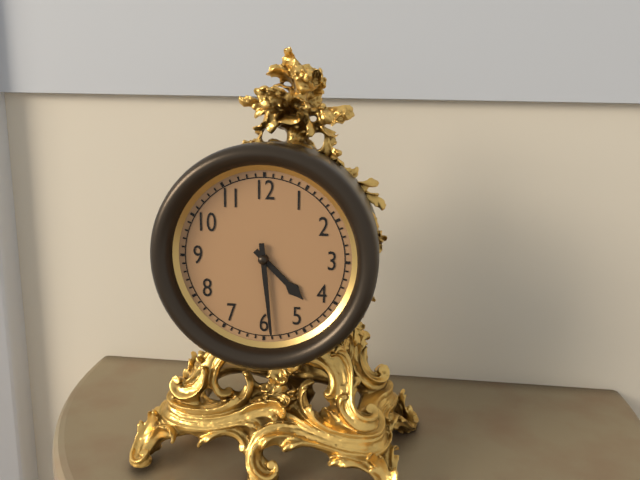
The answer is 4:29
